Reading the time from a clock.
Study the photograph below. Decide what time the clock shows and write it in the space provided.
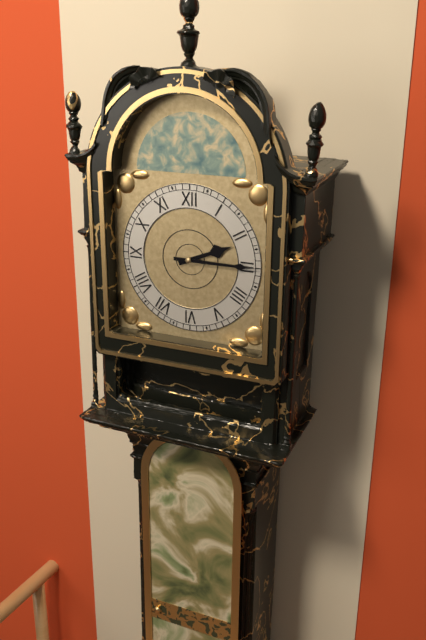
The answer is 2:15
